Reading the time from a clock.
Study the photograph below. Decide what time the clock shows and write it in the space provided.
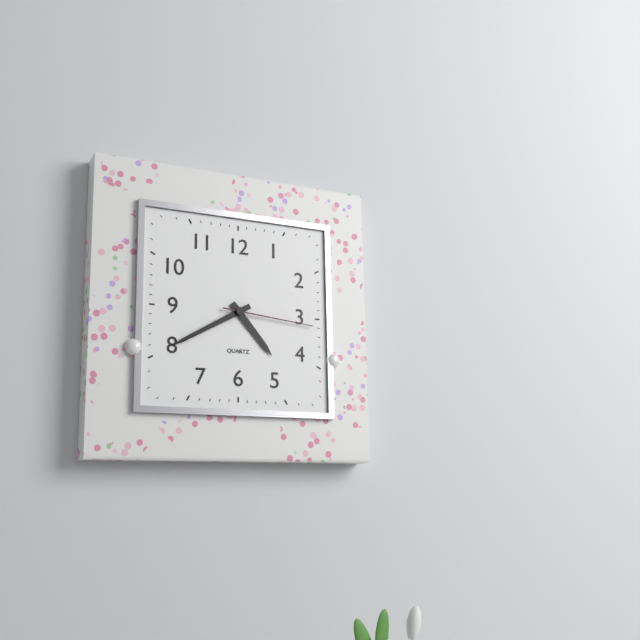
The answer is 4:40:16
